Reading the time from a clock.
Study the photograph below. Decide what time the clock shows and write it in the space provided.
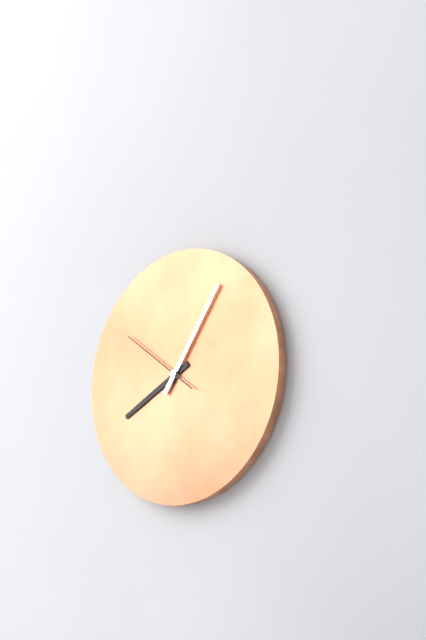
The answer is 8:06:51
